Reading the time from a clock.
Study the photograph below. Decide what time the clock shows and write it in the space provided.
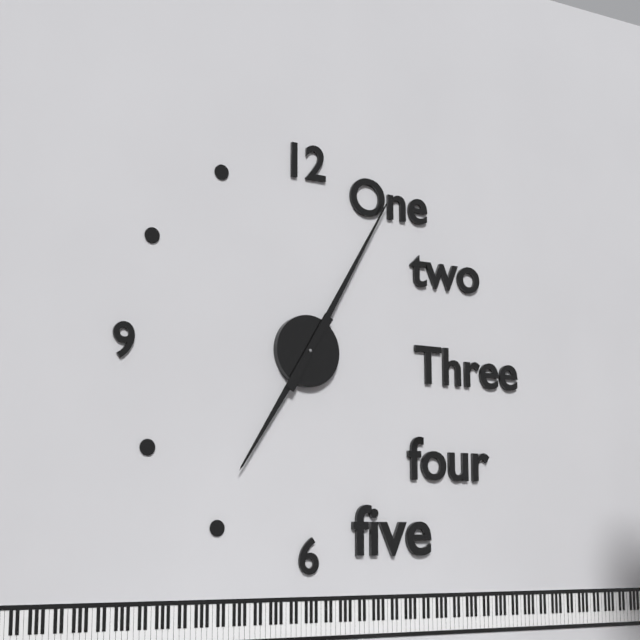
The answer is 7:05
